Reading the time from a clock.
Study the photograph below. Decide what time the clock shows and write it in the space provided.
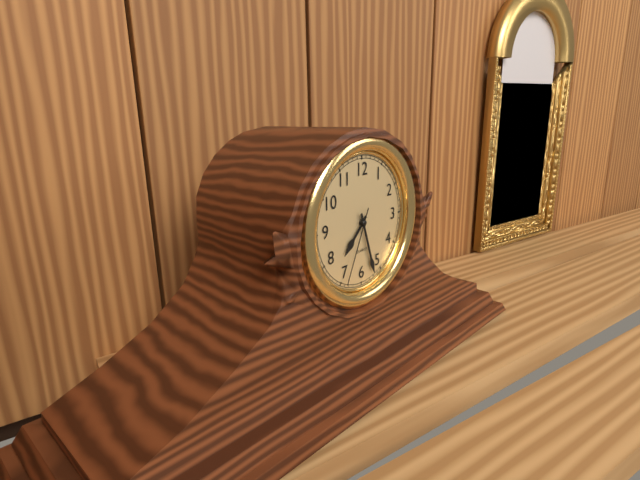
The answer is 7:27:34
